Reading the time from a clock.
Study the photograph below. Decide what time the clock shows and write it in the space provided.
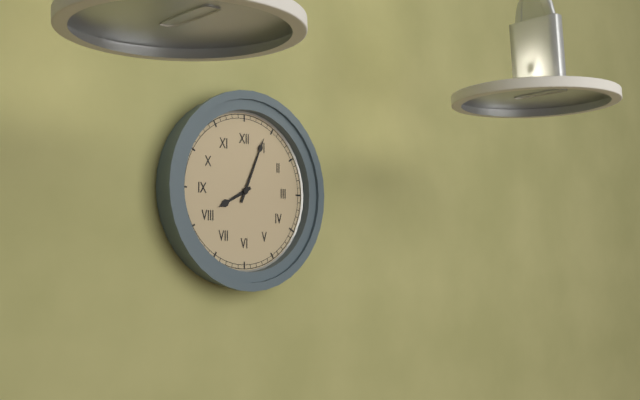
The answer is 8:04
